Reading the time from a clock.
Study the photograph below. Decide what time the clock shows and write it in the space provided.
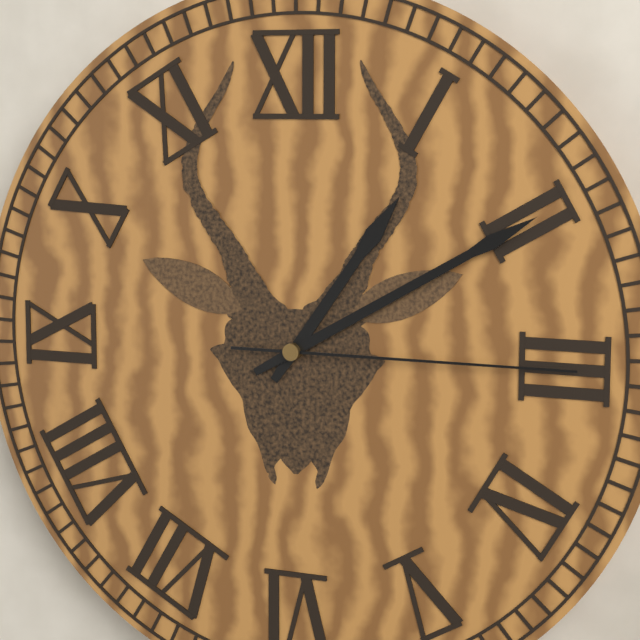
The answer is 1:10:15
